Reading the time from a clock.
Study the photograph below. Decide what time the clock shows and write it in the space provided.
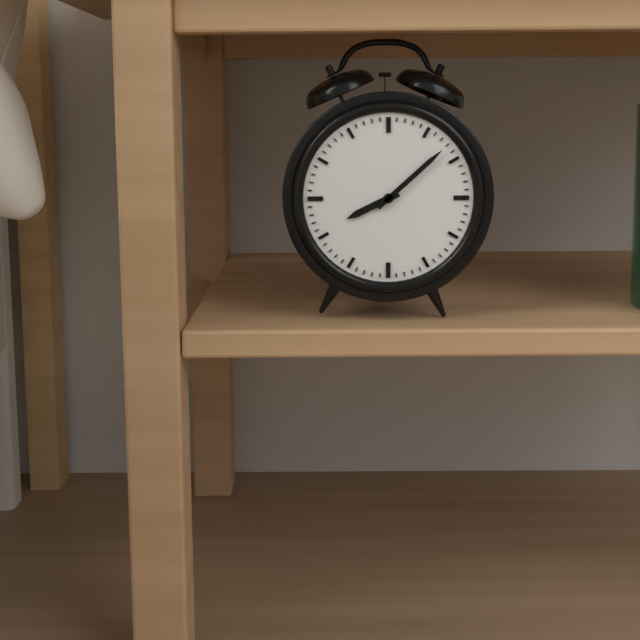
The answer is 8:08
